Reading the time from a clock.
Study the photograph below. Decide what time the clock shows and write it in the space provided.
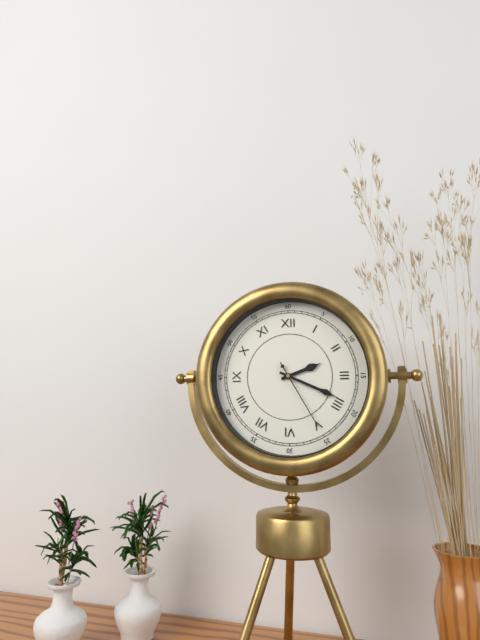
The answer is 2:19:25
